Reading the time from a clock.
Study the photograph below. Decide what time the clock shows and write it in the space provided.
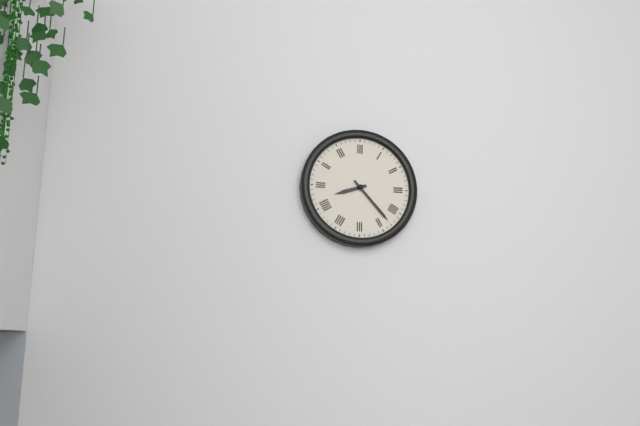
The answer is 8:23
